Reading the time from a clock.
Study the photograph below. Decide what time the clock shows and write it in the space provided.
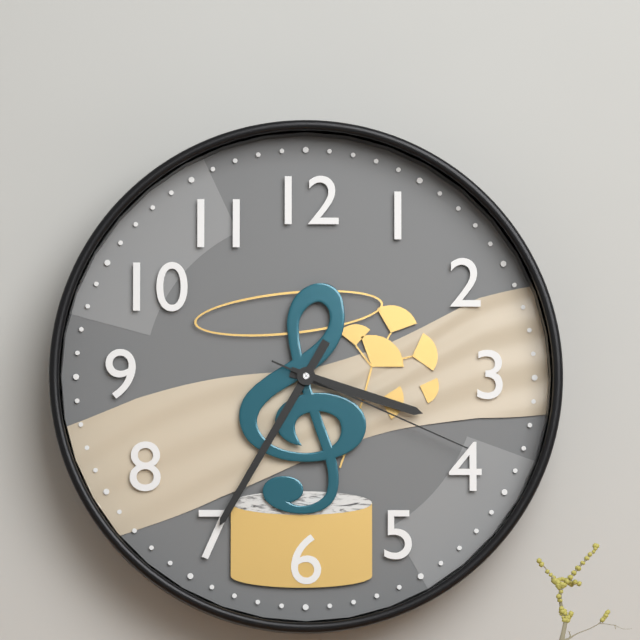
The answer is 3:35:19
